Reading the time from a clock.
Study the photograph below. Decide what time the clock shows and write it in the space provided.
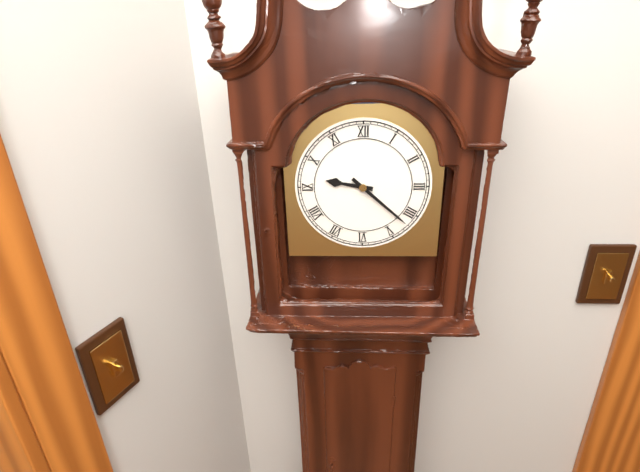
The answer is 9:22
